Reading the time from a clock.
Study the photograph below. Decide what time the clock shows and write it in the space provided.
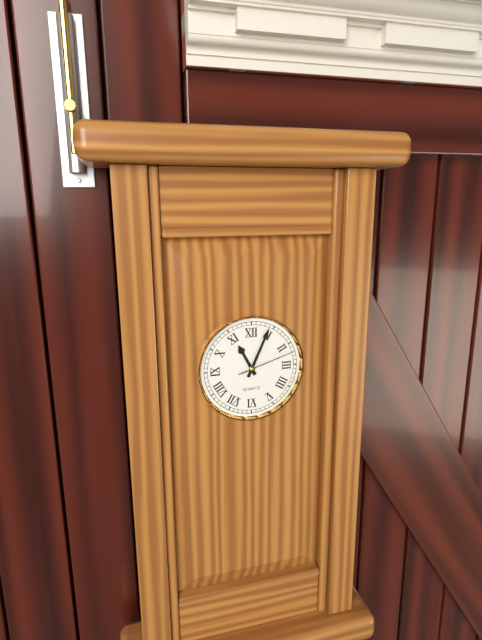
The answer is 11:04:12
